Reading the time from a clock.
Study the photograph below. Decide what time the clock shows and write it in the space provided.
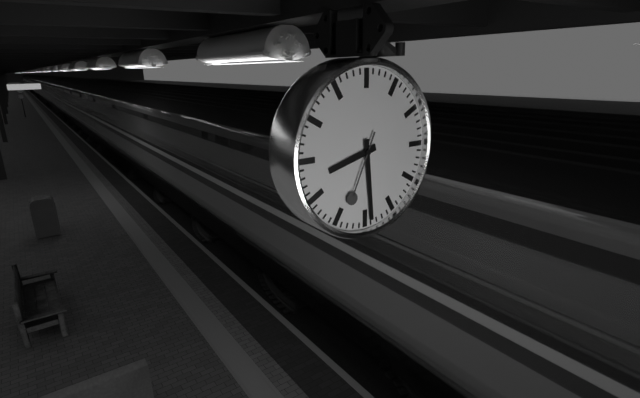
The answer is 8:29:34
